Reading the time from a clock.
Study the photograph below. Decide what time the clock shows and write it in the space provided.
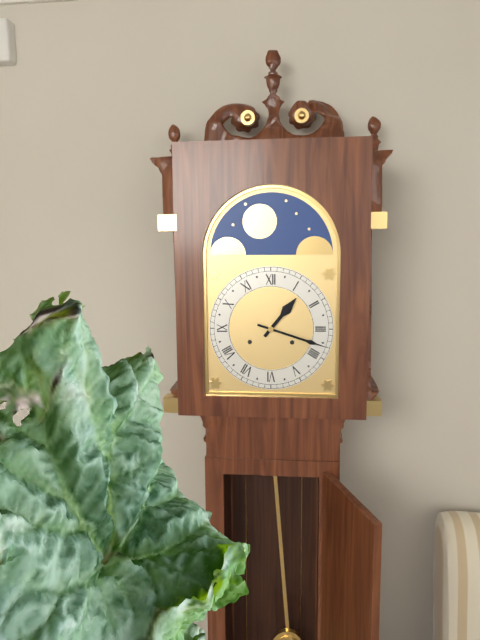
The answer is 1:18
